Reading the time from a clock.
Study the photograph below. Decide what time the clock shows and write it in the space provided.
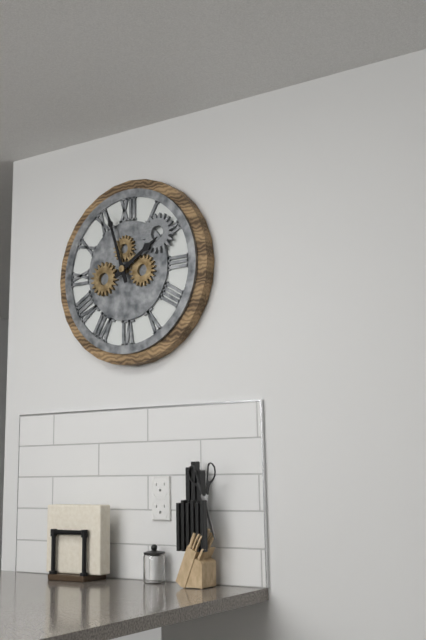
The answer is 1:57
